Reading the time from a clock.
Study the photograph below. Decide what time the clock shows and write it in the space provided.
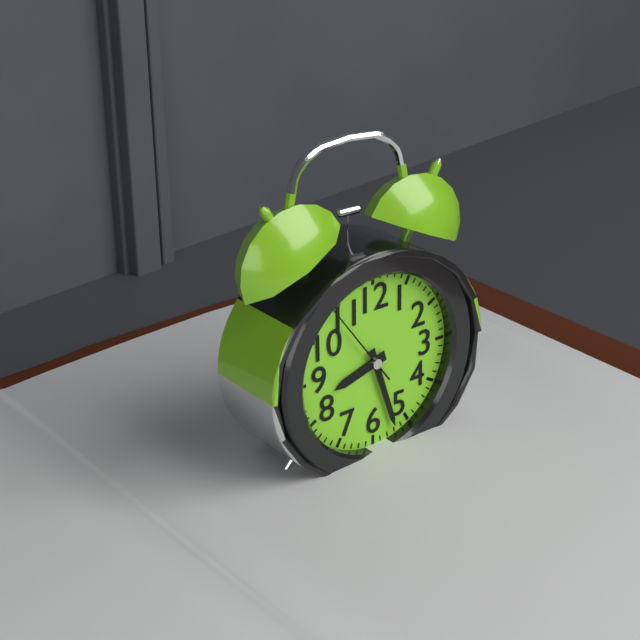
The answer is 8:27:54
